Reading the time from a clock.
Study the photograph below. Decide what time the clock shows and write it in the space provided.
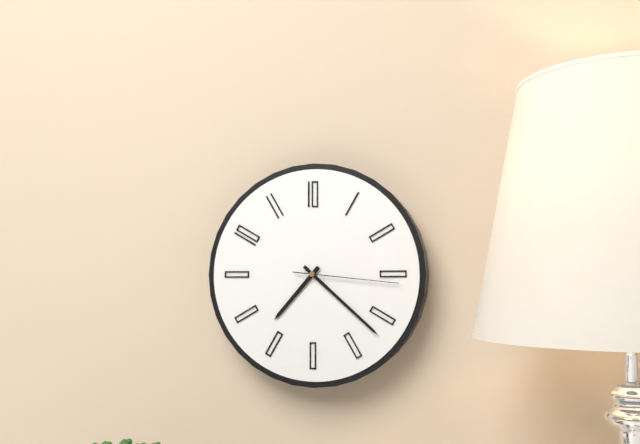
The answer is 7:22:16
